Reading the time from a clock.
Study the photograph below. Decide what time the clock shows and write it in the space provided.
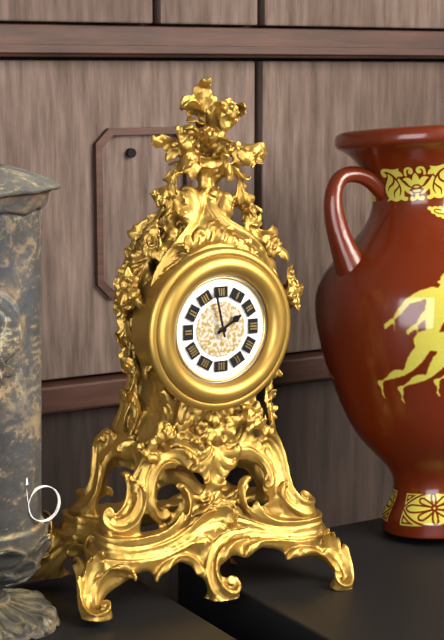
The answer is 1:58
